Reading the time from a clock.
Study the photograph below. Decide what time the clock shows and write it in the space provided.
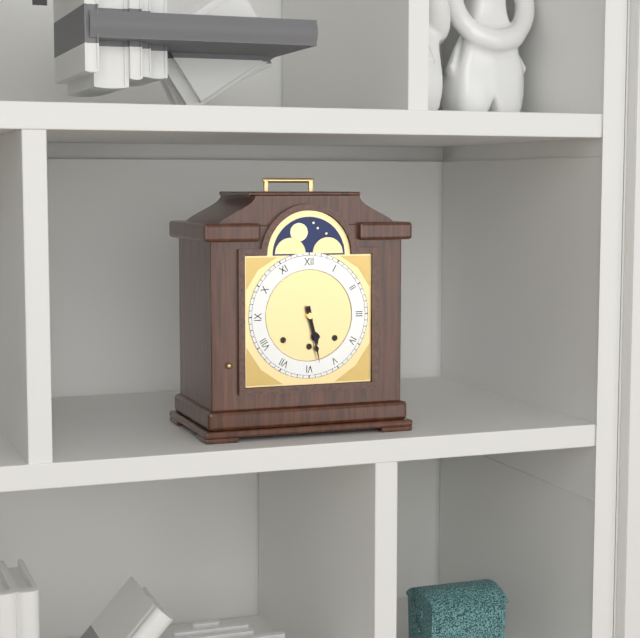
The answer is 5:28
